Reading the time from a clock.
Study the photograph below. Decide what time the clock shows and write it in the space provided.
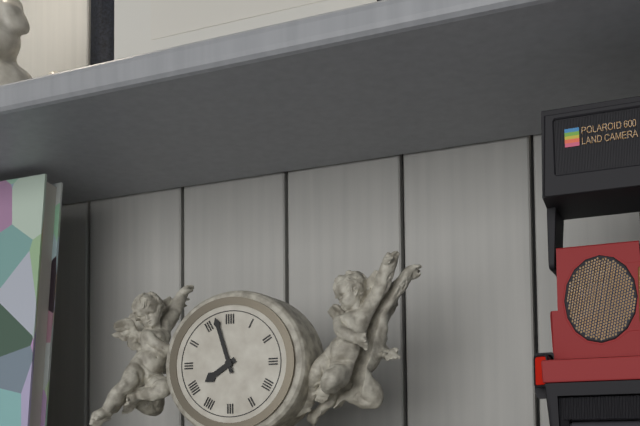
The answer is 7:57
